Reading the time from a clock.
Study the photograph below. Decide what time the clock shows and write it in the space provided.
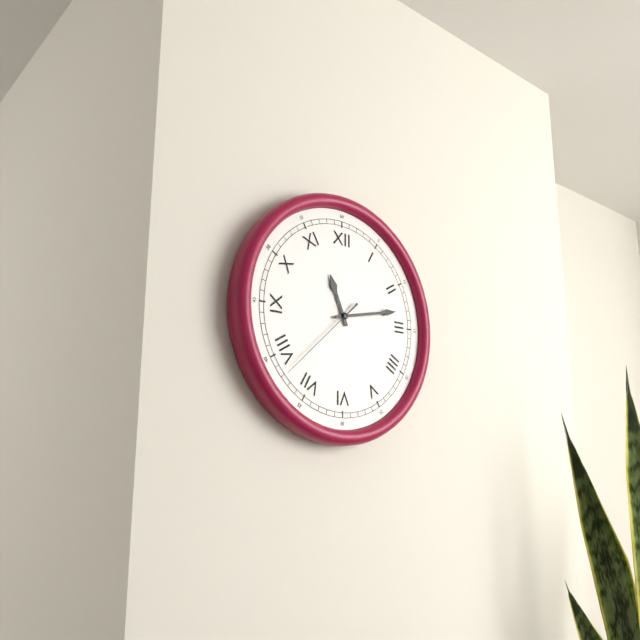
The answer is 11:13:38
